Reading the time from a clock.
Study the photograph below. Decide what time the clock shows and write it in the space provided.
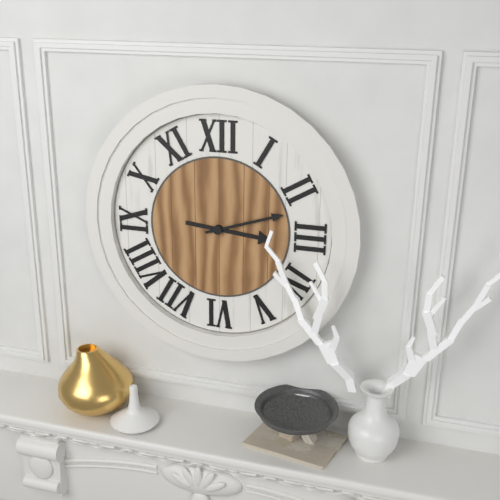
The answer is 3:12
